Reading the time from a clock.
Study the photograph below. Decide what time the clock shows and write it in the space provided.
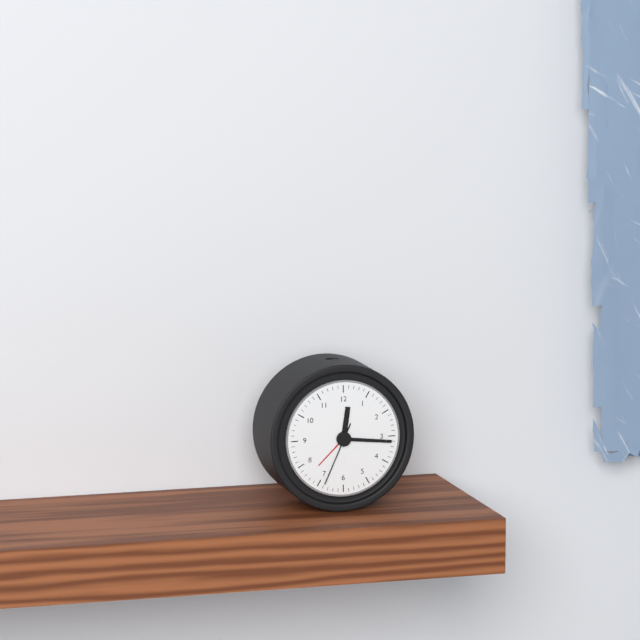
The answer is 12:16:34
